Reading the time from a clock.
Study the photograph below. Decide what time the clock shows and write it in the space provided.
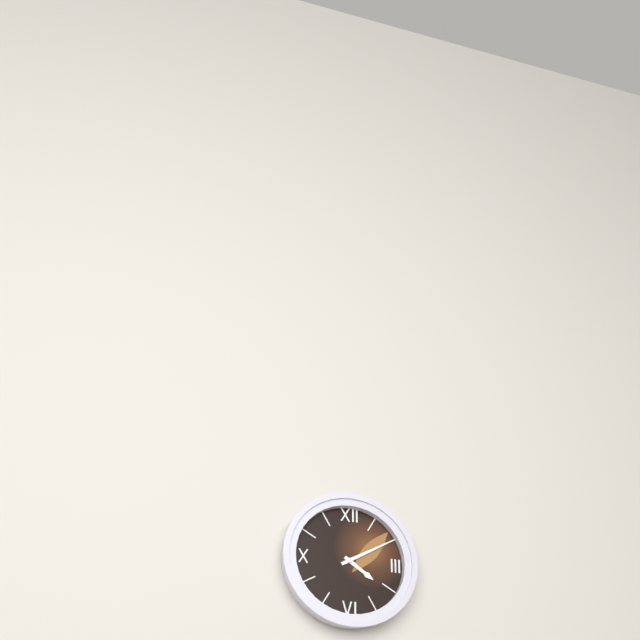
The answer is 4:10
